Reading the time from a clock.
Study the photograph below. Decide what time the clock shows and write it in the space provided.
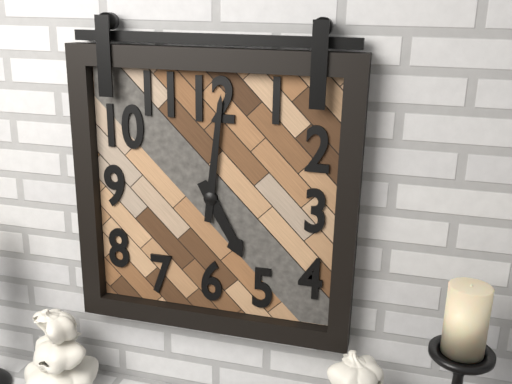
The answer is 5:01
